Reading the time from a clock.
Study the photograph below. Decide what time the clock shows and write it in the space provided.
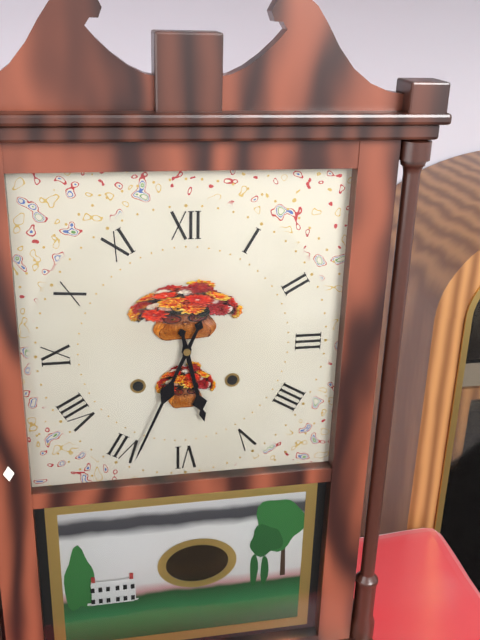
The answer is 5:34
